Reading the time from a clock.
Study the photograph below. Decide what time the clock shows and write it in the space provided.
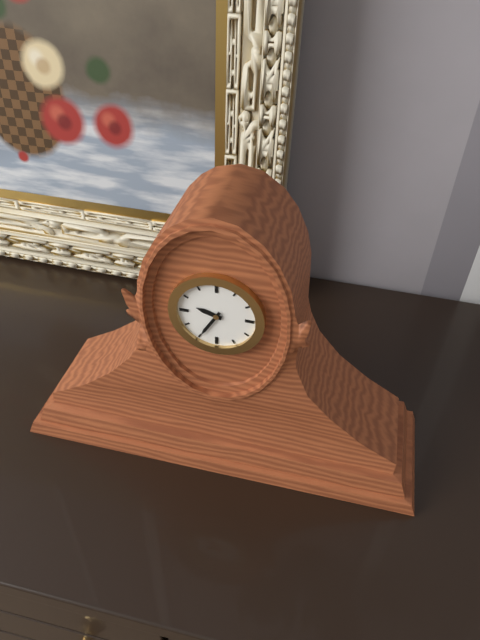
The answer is 9:35
